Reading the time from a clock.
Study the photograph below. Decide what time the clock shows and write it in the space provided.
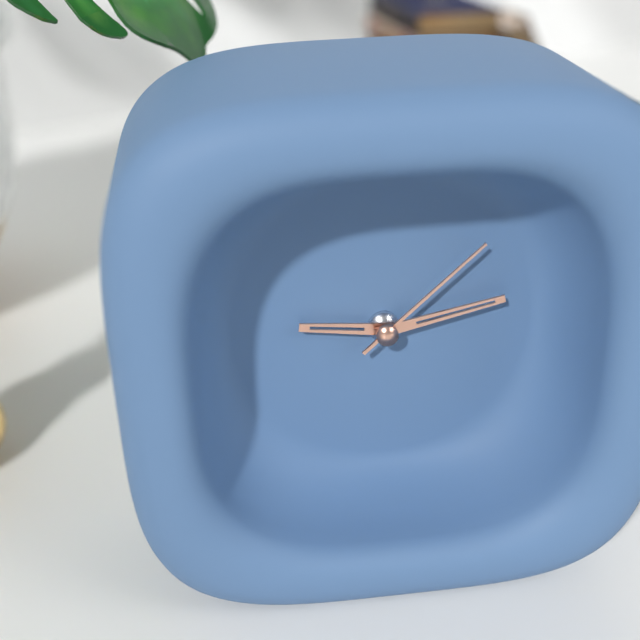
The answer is 9:13:08
